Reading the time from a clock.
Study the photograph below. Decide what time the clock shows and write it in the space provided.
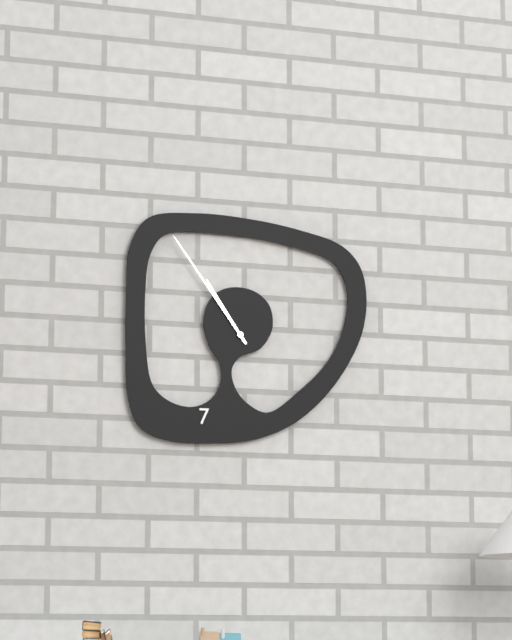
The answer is 10:54
